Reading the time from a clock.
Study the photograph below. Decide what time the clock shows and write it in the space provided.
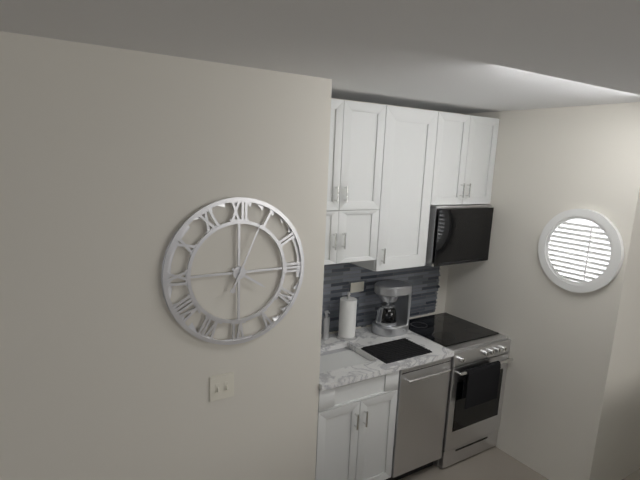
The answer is 4:04
